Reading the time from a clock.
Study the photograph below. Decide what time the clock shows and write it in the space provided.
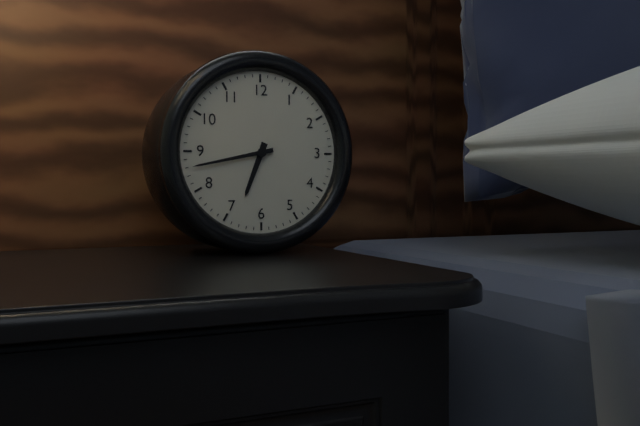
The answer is 6:43
